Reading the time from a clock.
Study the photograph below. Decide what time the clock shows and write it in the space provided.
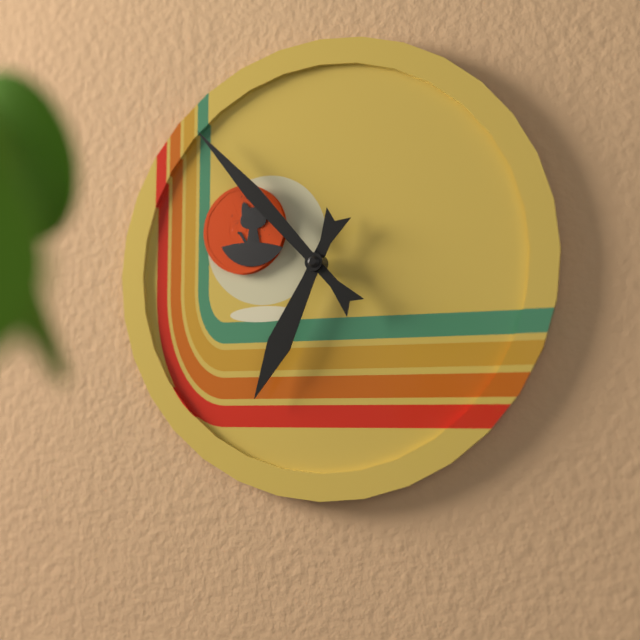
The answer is 6:53
